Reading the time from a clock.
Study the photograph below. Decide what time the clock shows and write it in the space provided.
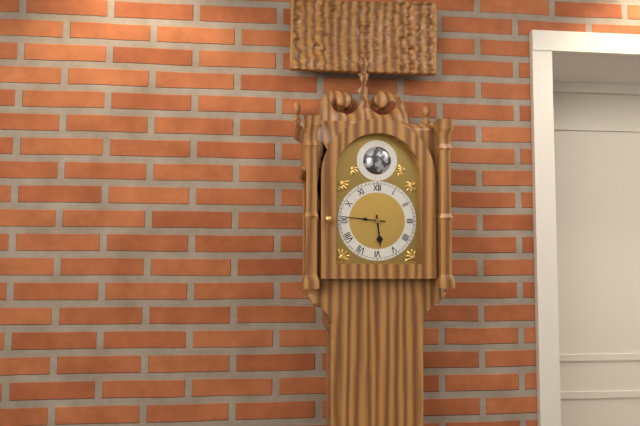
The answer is 5:46
